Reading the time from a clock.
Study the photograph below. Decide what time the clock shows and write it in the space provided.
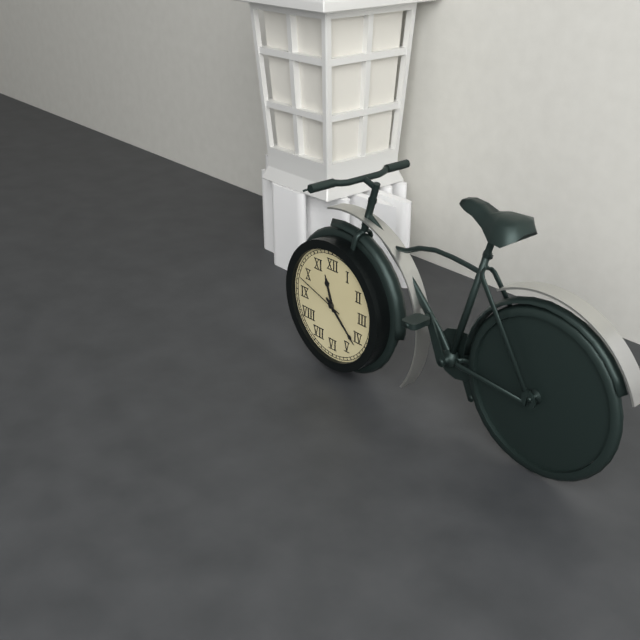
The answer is 11:22:48
